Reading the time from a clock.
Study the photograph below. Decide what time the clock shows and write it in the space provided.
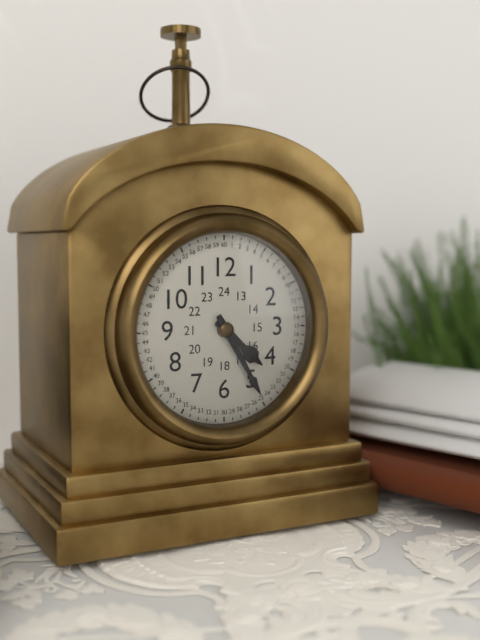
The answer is 4:25
